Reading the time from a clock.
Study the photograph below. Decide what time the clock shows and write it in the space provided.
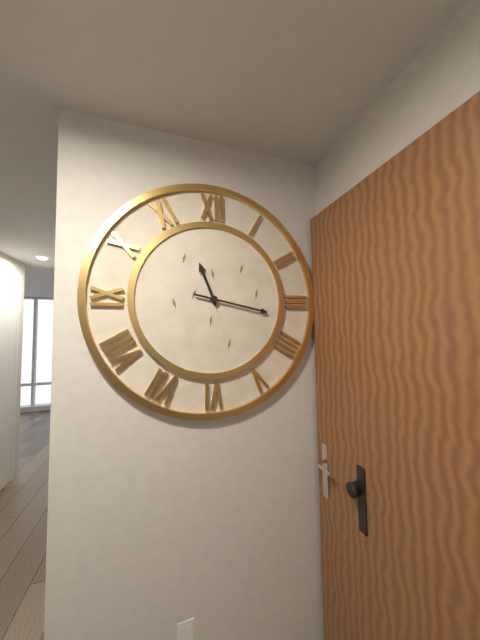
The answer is 11:17
